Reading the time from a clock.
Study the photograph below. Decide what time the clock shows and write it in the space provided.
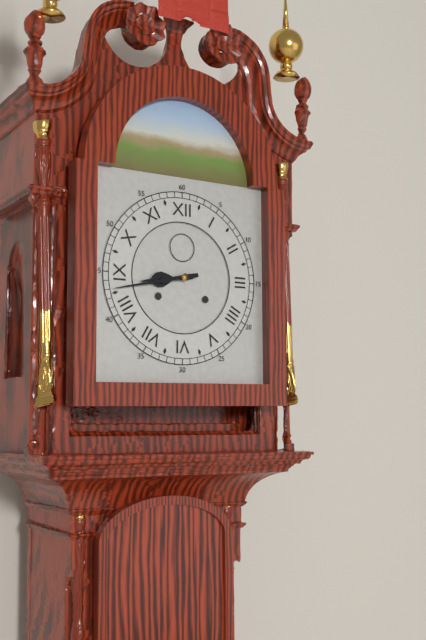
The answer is 8:43
